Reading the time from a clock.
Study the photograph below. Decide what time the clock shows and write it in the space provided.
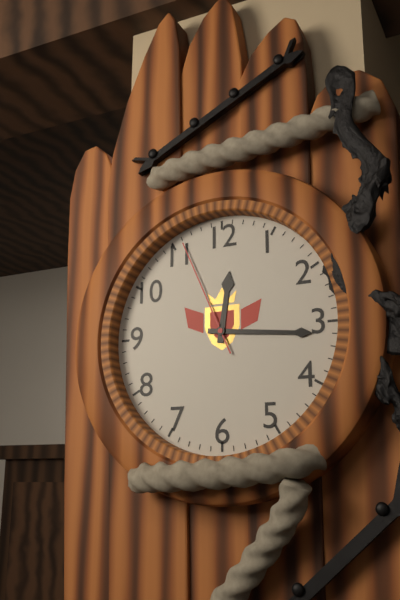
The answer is 12:16:56
